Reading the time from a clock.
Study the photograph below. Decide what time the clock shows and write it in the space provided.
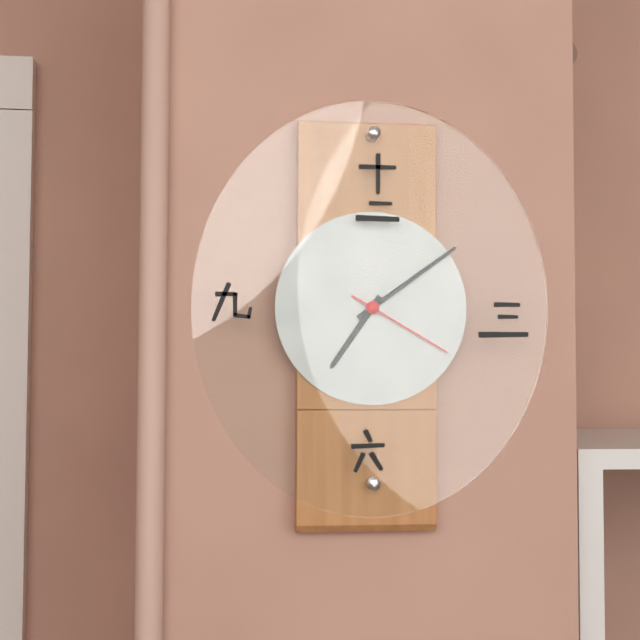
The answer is 7:09:20
